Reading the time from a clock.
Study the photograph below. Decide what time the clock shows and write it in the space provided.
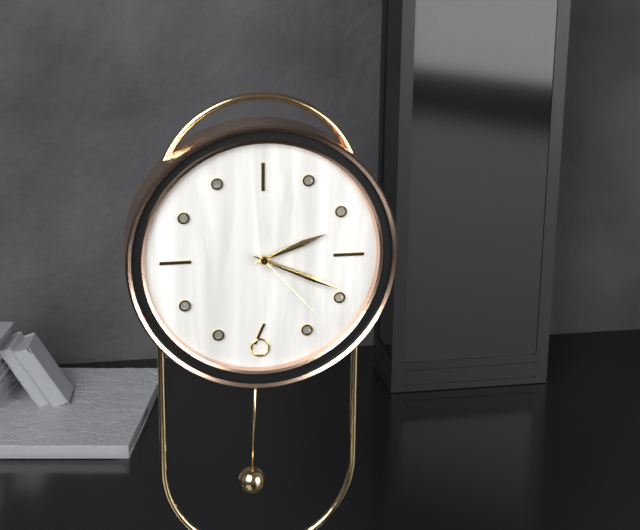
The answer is 2:19:23
